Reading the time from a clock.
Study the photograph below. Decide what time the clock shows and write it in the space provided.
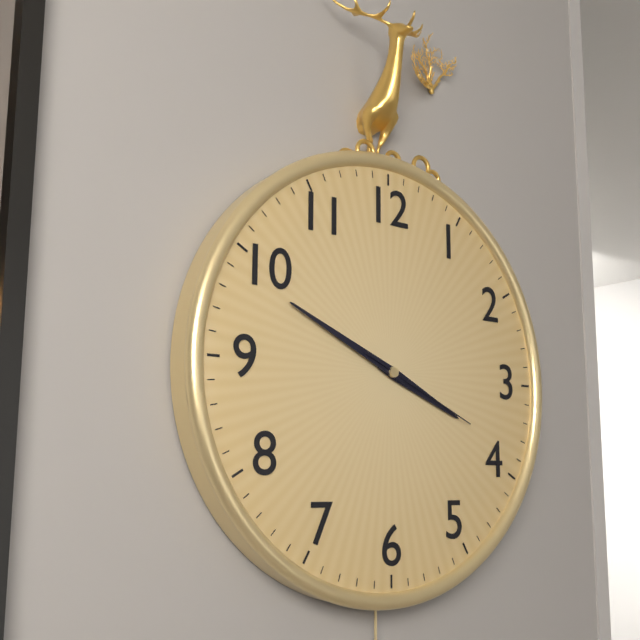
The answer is 3:49:19
